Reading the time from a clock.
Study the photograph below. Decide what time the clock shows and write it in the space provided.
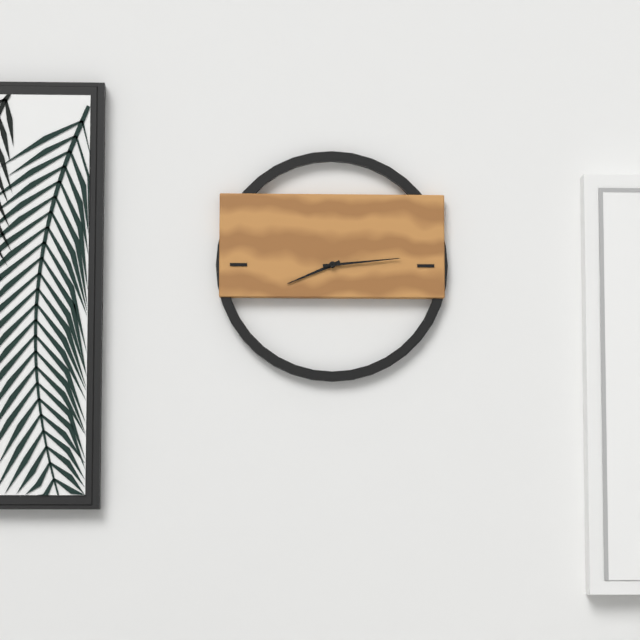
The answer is 8:14
